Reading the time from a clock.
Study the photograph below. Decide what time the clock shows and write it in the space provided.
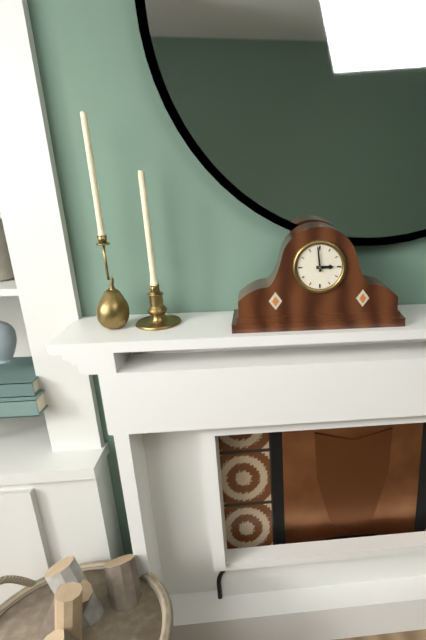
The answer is 2:59
